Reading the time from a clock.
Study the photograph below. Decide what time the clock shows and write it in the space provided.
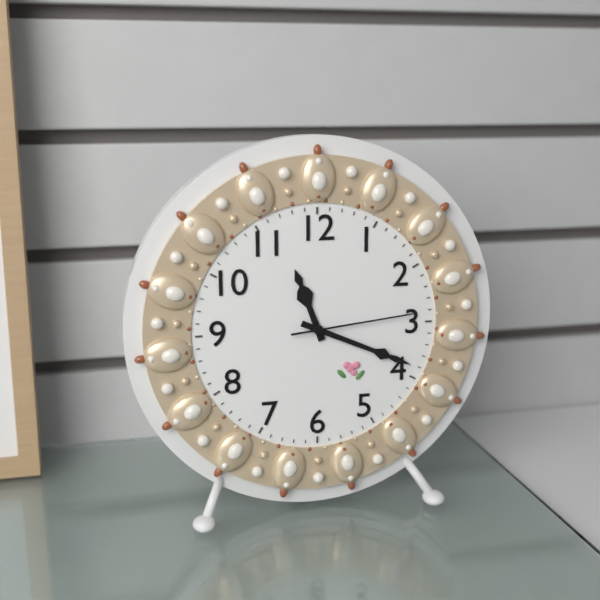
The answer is 11:19:14
